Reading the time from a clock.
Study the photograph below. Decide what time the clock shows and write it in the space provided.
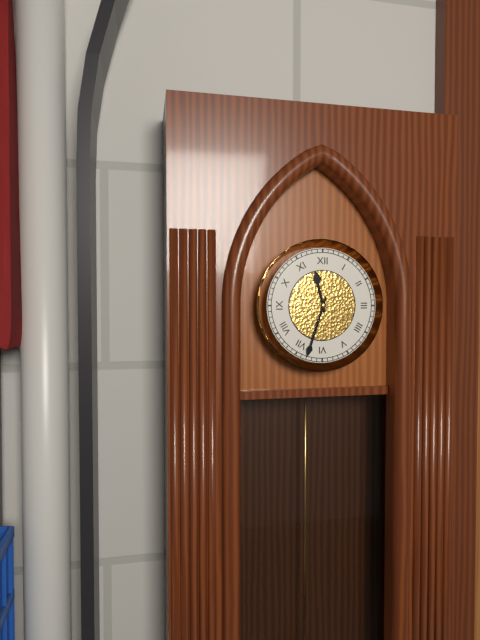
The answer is 11:33
